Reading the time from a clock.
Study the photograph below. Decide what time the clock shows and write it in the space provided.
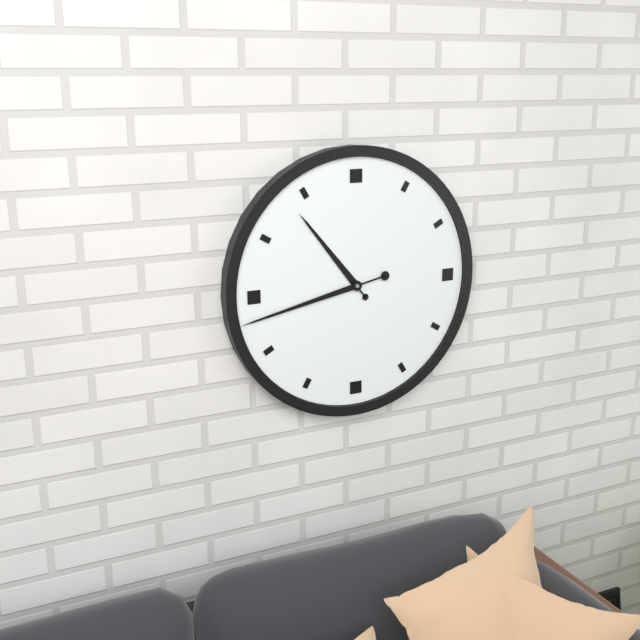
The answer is 10:43
